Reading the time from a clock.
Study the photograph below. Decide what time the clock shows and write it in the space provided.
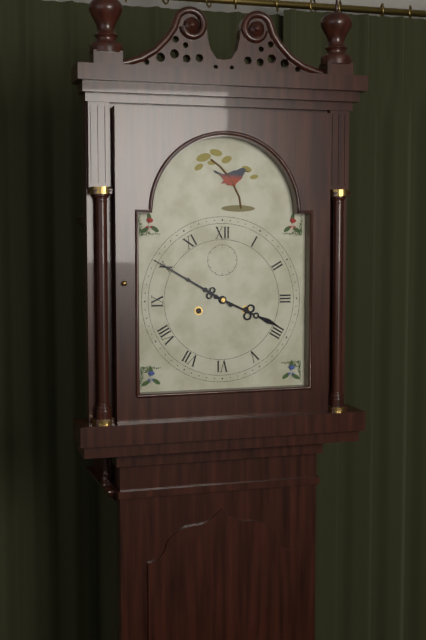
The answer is 3:50
